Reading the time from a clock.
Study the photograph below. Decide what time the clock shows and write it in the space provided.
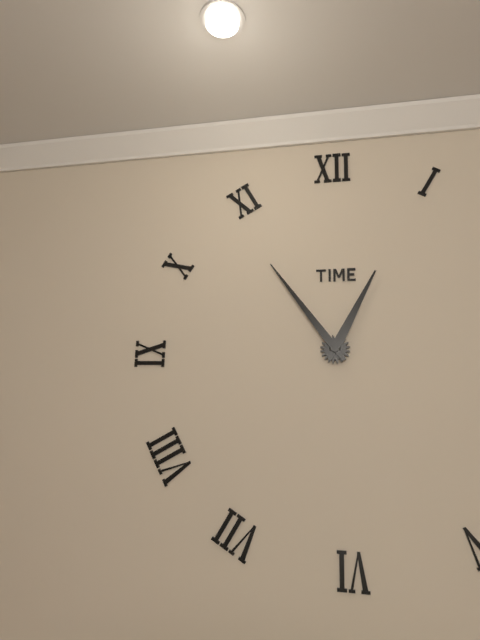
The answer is 12:54
